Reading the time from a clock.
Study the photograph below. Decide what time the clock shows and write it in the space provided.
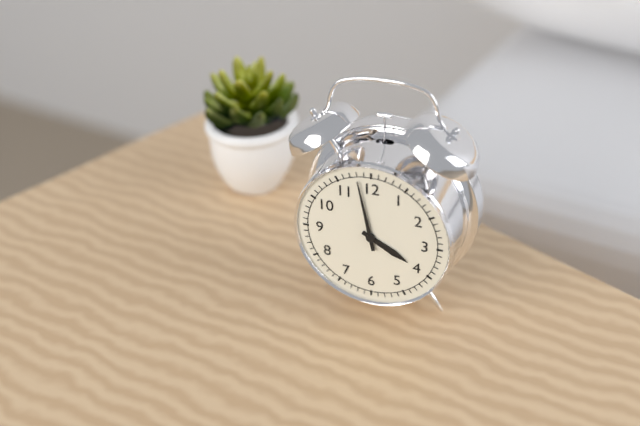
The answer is 3:58
